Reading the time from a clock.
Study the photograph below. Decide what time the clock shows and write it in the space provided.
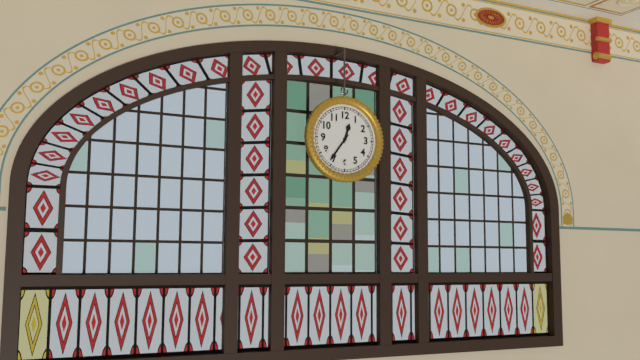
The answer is 12:36
